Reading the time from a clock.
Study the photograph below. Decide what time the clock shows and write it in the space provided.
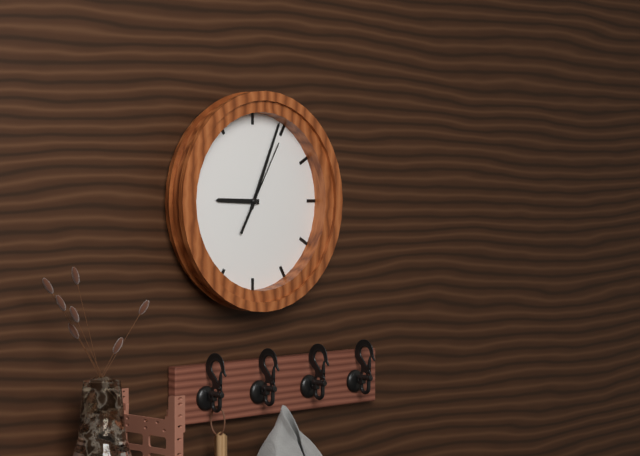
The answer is 9:04:05
